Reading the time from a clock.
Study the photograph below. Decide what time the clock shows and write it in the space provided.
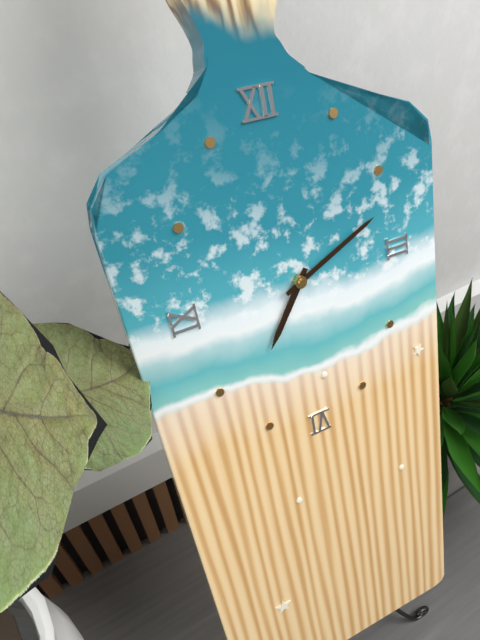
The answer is 7:11
